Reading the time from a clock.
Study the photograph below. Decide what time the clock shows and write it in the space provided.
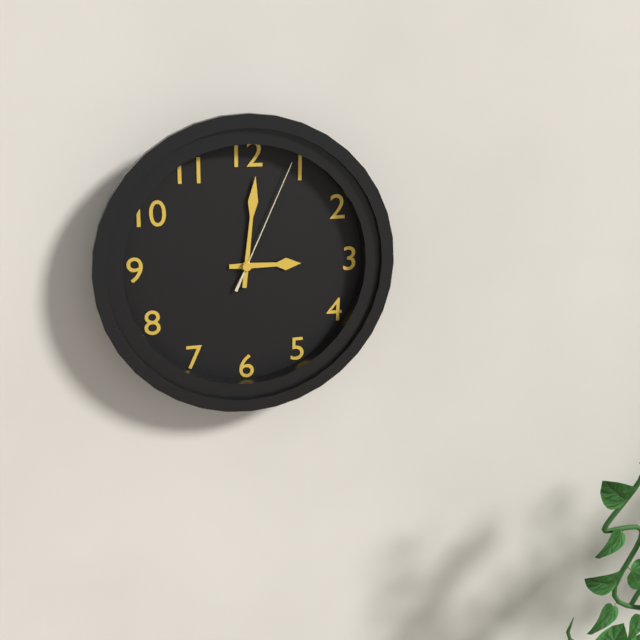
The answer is 3:01:04
